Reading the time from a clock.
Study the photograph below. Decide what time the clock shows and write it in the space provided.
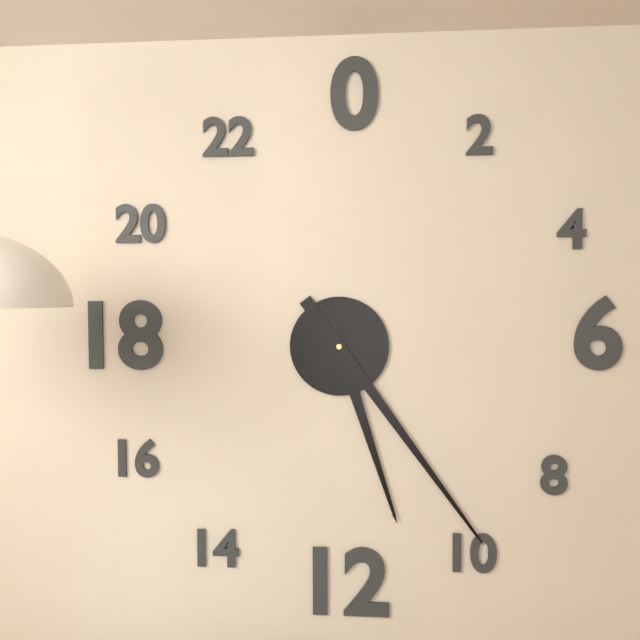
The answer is 5:24
